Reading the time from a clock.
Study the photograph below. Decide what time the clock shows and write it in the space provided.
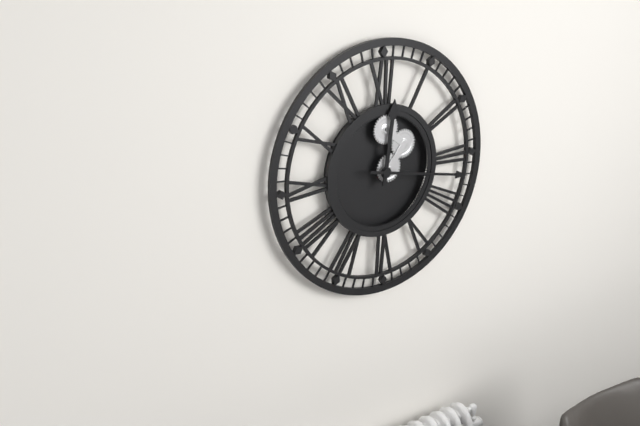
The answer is 12:17
